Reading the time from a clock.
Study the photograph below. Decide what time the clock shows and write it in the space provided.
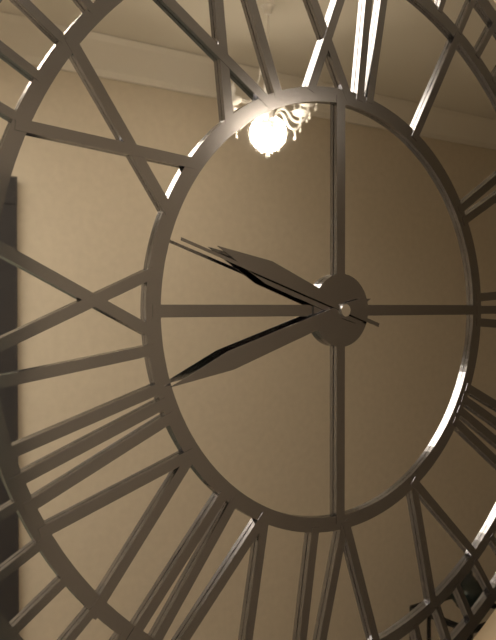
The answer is 9:42:48
